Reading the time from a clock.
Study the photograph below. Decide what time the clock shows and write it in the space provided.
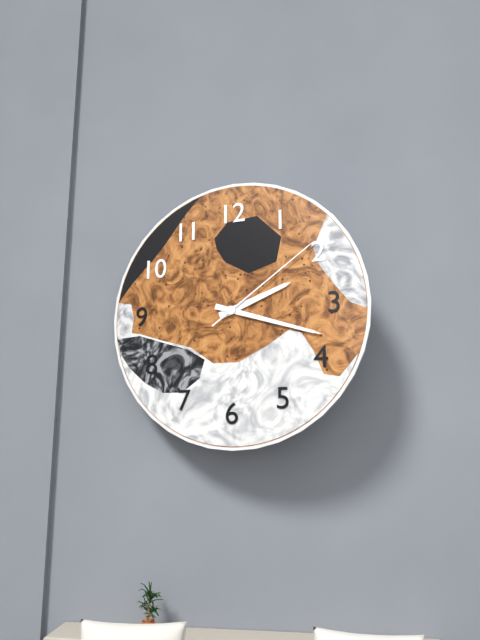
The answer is 2:18:09
